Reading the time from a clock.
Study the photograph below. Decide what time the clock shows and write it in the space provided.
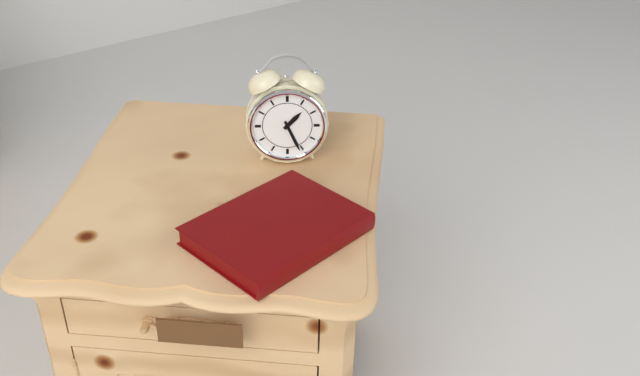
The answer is 1:26
